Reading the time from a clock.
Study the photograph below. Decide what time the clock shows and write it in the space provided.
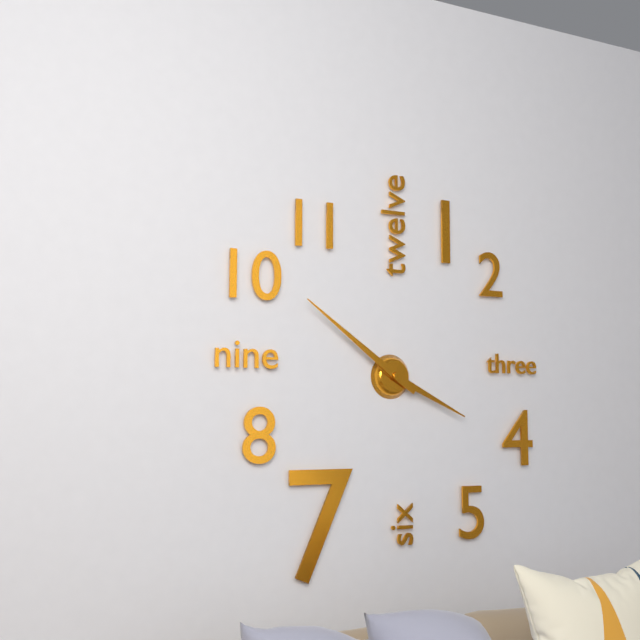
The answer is 3:51
